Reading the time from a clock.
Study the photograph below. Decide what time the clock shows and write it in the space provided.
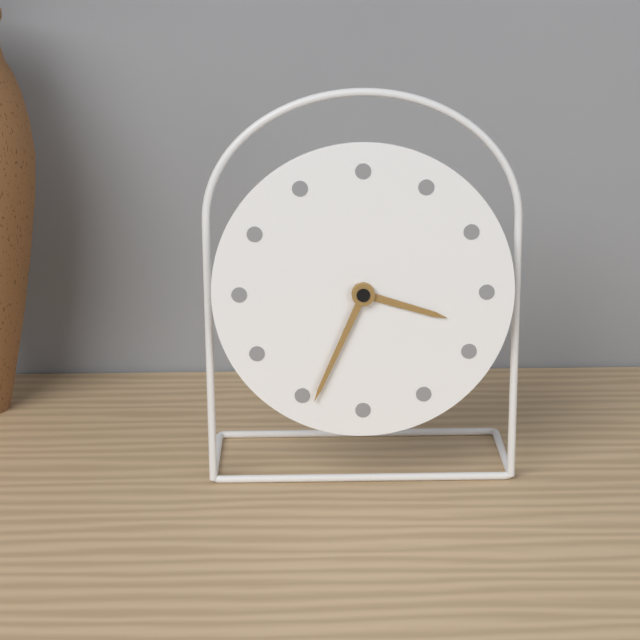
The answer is 3:34
